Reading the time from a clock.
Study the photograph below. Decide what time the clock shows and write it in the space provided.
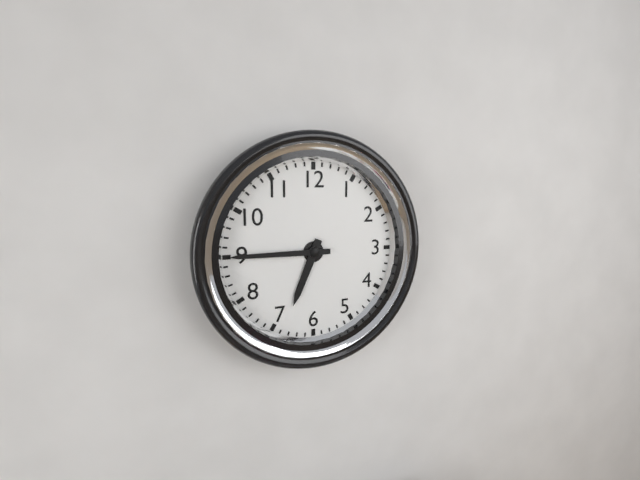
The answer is 6:45
